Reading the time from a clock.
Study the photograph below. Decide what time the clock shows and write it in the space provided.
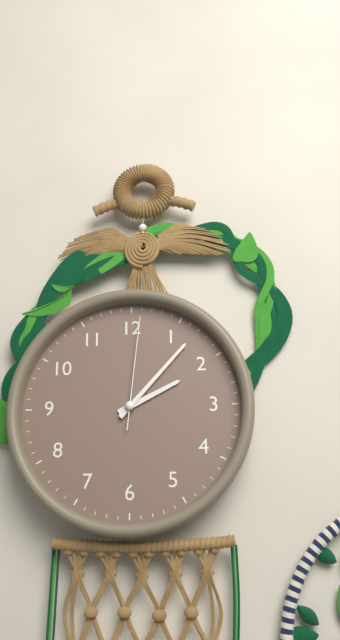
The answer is 2:07:01
